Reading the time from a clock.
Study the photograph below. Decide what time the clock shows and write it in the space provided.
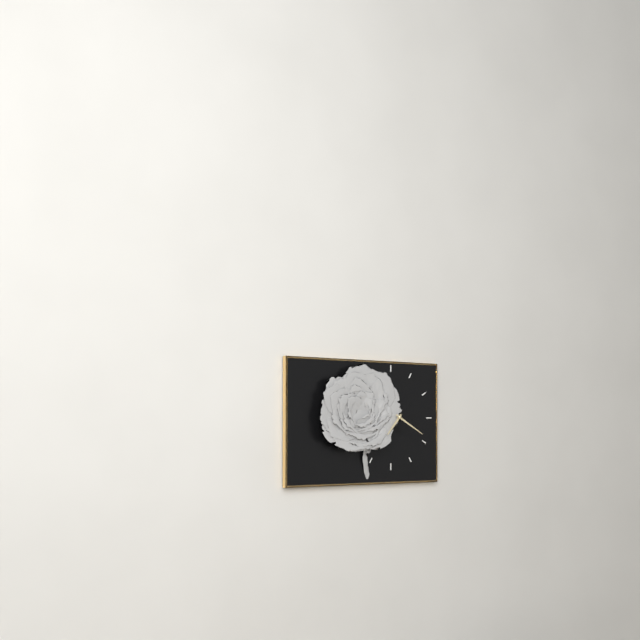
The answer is 7:20
